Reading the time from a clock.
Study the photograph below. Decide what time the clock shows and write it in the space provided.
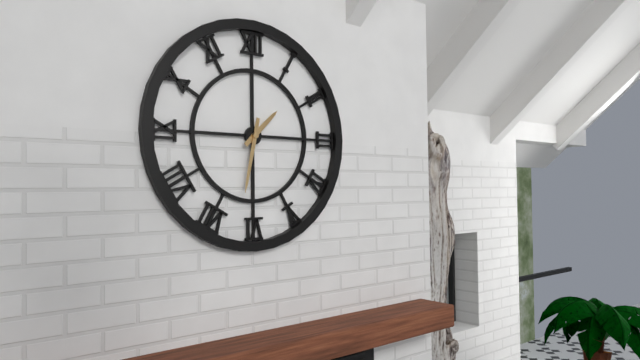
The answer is 1:32
